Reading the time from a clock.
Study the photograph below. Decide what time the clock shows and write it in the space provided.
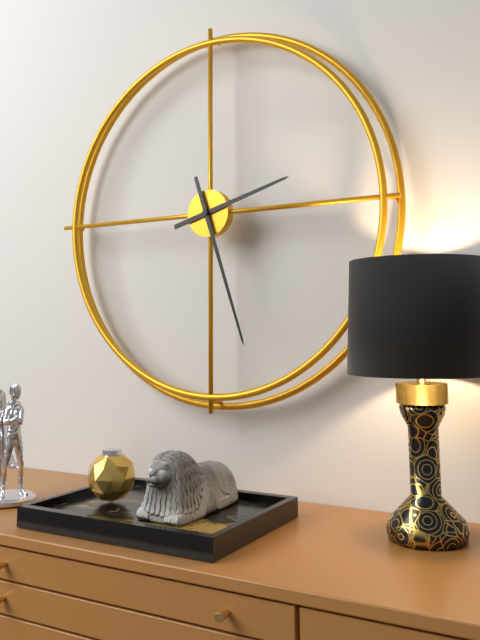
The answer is 2:27
